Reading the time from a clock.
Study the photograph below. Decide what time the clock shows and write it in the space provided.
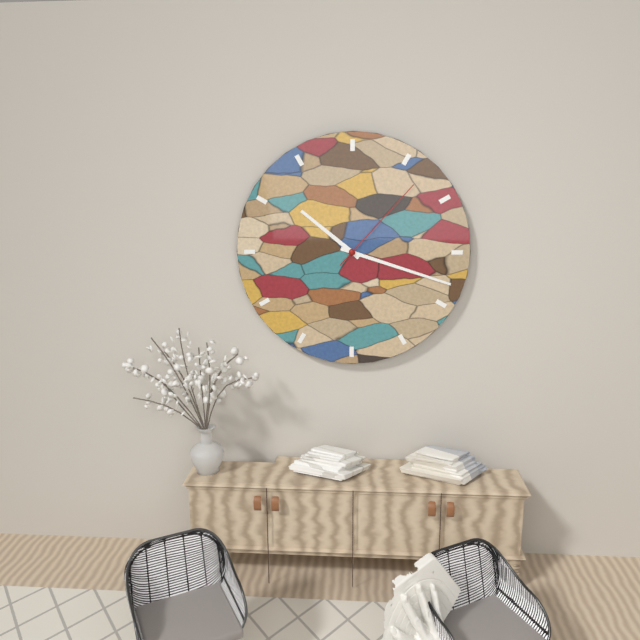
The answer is 10:18:07
